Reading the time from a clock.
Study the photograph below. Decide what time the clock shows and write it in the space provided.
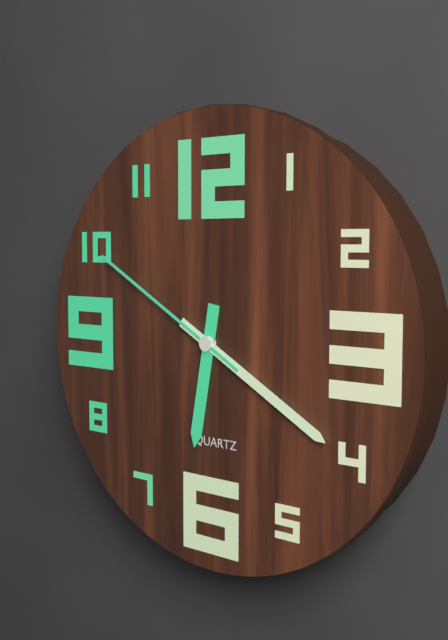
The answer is 6:20:50
